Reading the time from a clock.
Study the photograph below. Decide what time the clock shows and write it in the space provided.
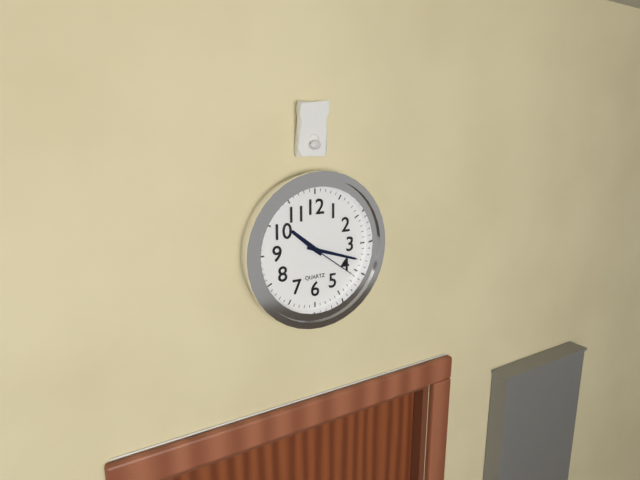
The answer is 10:18:21
